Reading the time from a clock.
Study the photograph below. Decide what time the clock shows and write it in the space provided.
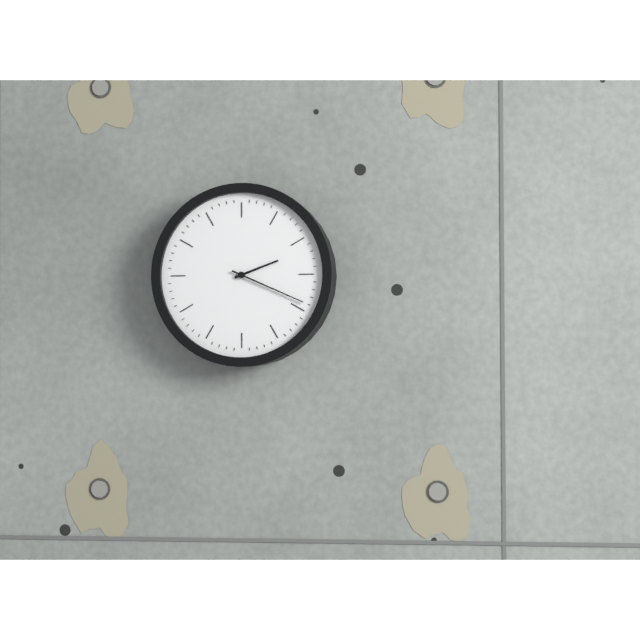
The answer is 2:19
